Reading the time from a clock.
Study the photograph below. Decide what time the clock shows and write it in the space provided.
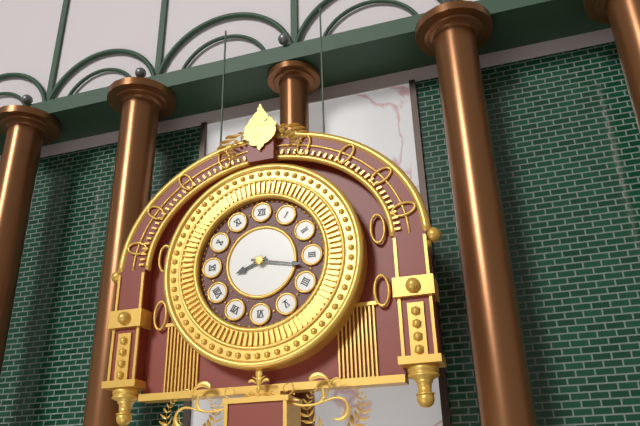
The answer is 8:17
